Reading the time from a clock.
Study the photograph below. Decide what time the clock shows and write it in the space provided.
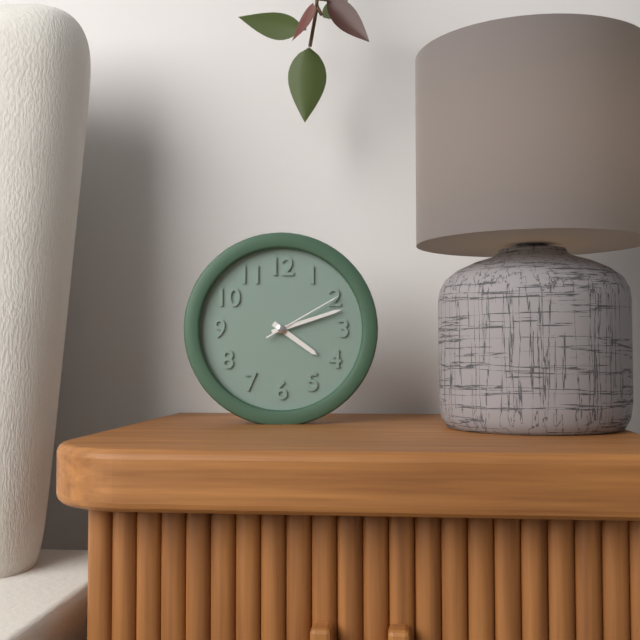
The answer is 4:12:10
